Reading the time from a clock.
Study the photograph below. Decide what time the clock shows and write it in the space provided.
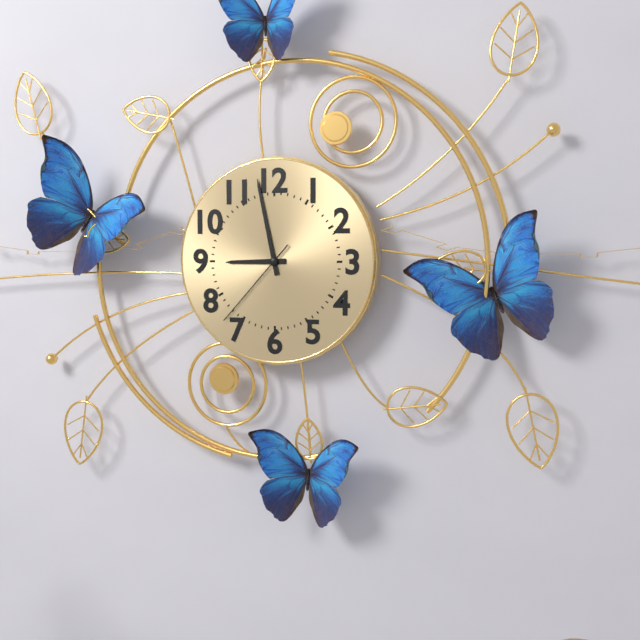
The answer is 8:58:37
